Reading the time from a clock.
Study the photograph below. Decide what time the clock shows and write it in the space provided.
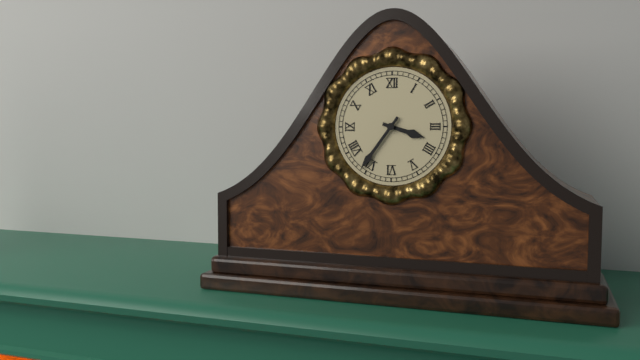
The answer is 3:36
